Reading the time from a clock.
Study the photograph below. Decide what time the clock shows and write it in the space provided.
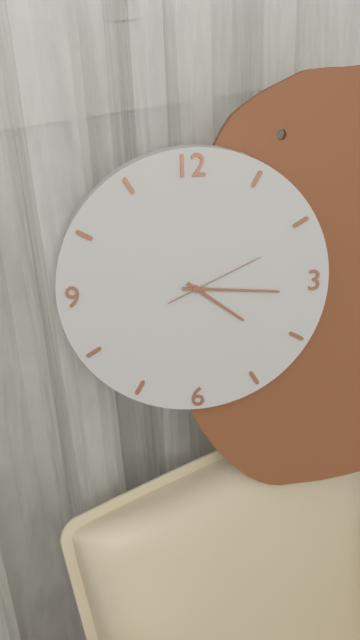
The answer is 4:16:11
